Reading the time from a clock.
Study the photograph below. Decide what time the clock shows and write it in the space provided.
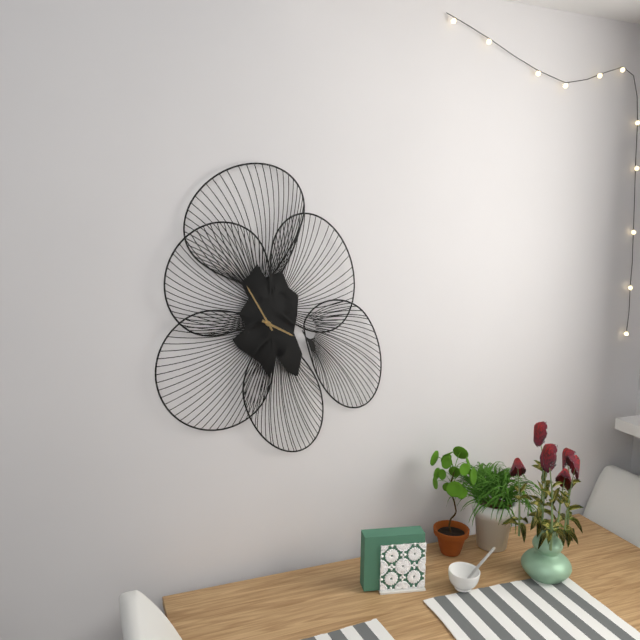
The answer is 3:55
